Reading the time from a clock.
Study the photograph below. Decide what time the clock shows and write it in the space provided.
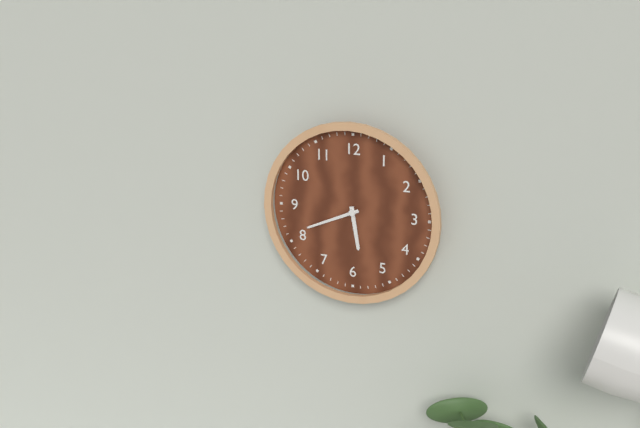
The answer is 5:41
